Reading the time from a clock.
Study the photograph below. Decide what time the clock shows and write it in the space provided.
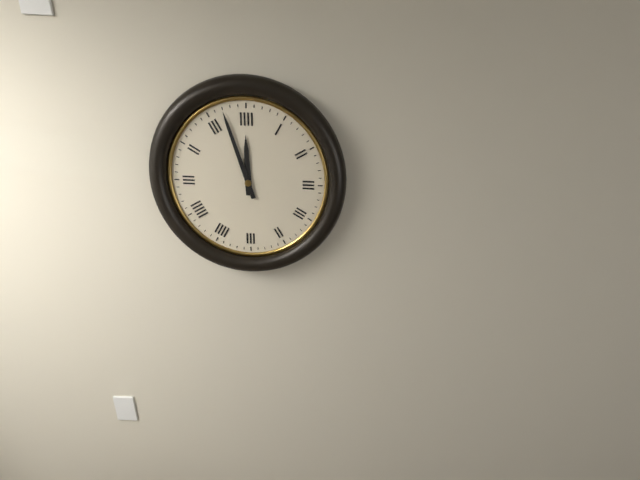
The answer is 11:57
